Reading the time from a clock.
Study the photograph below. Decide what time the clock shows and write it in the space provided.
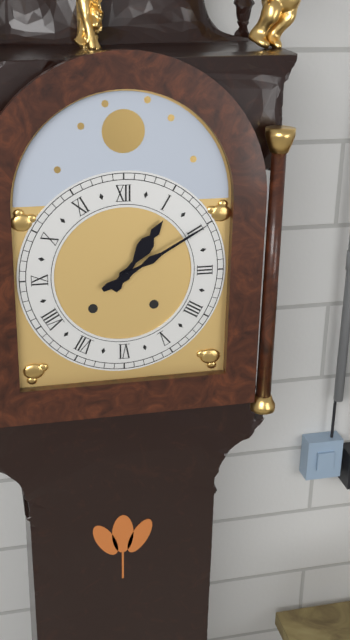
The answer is 1:10
